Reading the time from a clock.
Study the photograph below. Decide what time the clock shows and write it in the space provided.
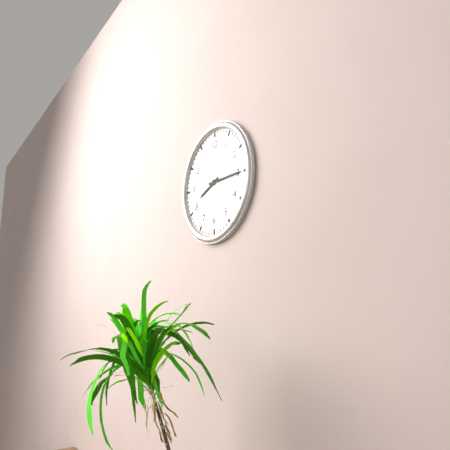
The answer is 8:15
